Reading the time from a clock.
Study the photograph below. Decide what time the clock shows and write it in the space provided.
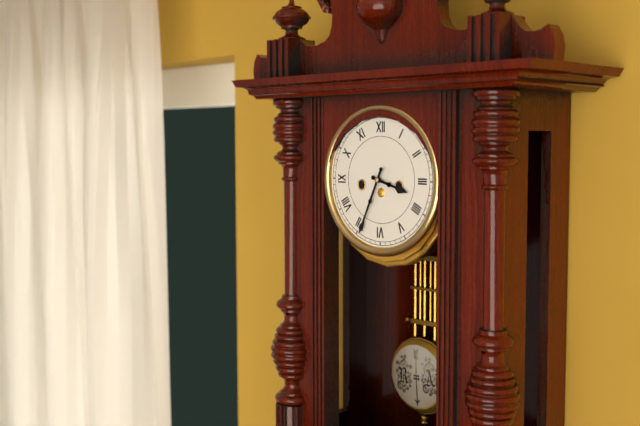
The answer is 3:34
